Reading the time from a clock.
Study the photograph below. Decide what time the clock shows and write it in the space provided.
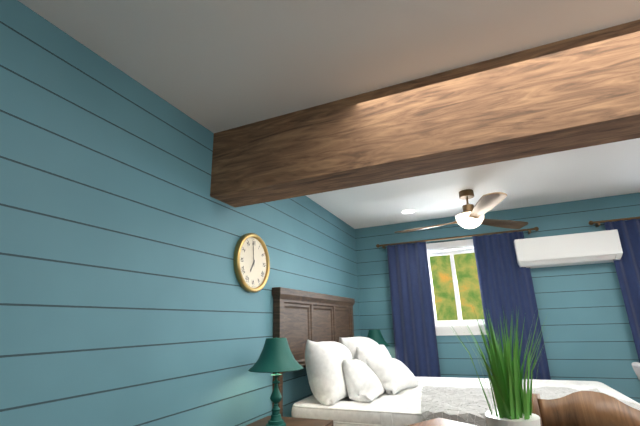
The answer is 6:59
